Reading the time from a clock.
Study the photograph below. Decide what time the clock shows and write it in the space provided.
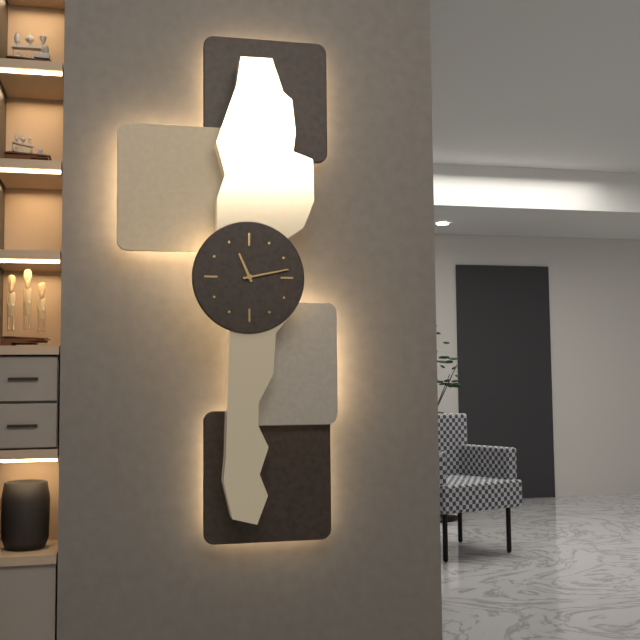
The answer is 11:13
